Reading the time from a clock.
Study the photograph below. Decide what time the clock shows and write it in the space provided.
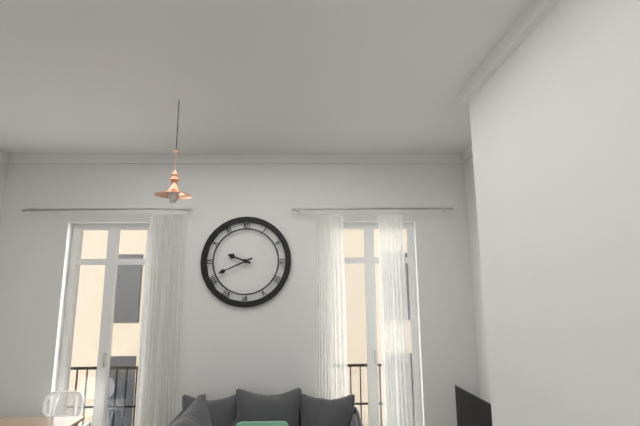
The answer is 9:41
